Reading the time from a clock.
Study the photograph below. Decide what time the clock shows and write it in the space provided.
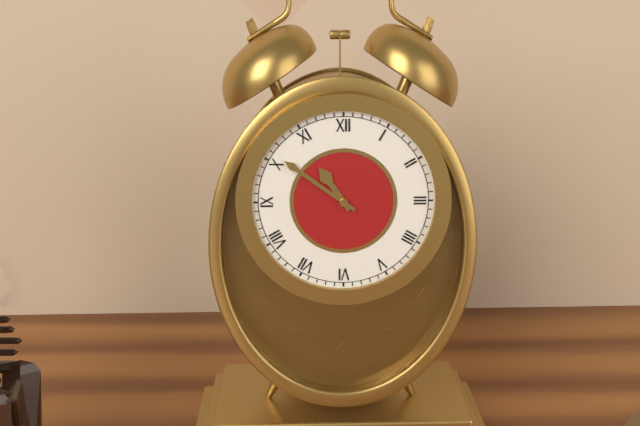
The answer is 10:51
